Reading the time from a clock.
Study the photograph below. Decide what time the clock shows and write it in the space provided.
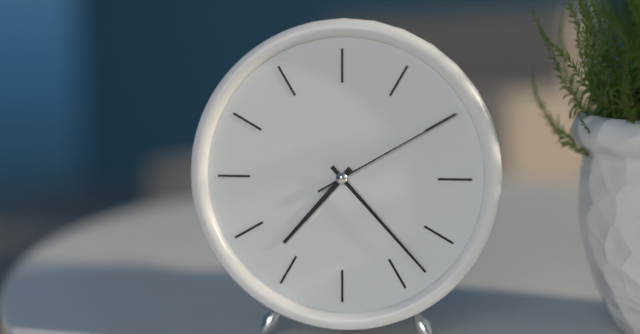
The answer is 7:23:10
